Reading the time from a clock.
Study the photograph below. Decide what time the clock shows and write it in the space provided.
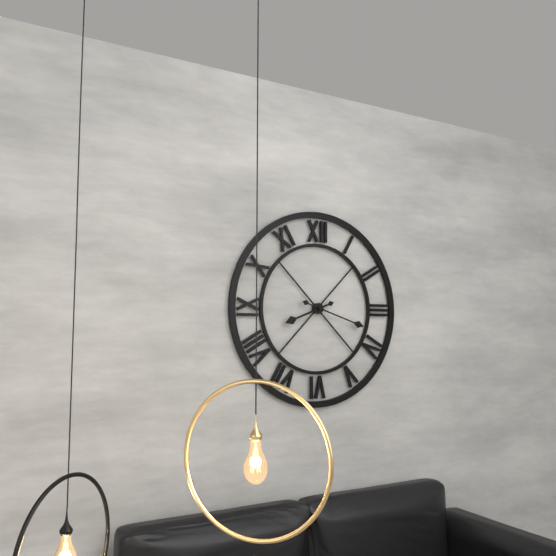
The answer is 8:18
